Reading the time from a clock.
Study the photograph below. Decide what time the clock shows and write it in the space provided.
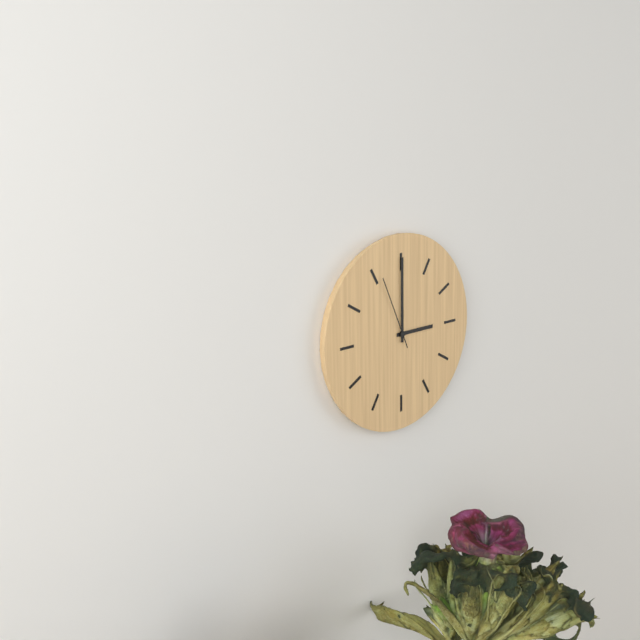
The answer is 3:00:56
